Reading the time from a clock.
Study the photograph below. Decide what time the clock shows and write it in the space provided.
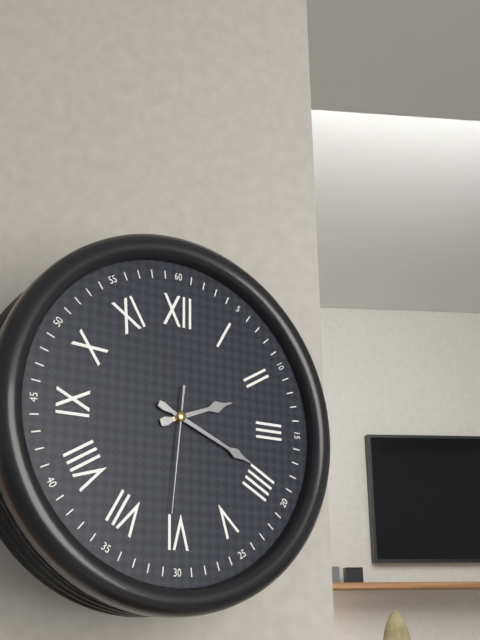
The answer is 2:19:31
